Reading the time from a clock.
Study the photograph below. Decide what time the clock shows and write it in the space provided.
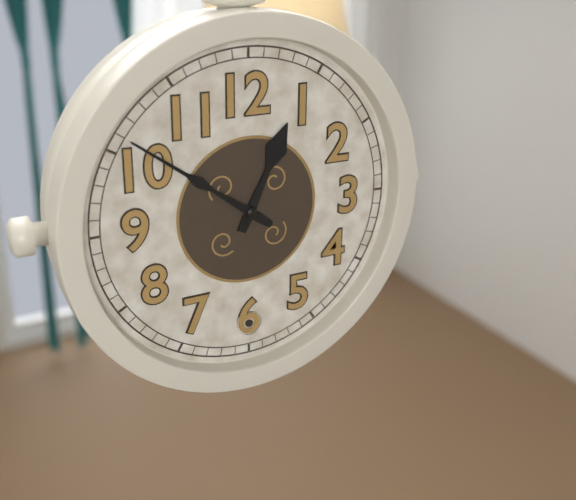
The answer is 12:51
